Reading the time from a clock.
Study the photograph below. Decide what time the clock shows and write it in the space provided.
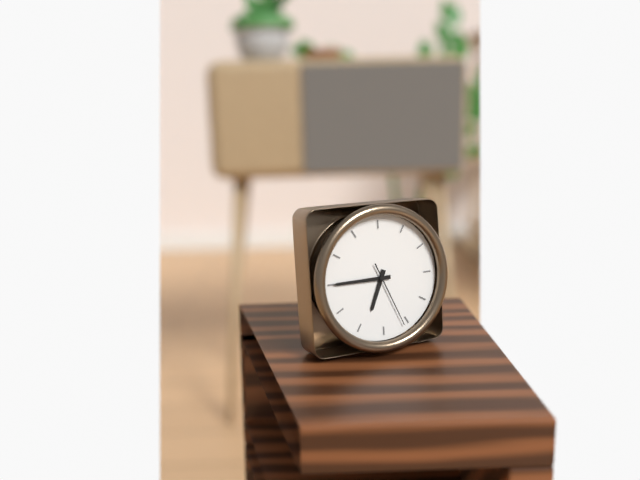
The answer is 6:45:26
